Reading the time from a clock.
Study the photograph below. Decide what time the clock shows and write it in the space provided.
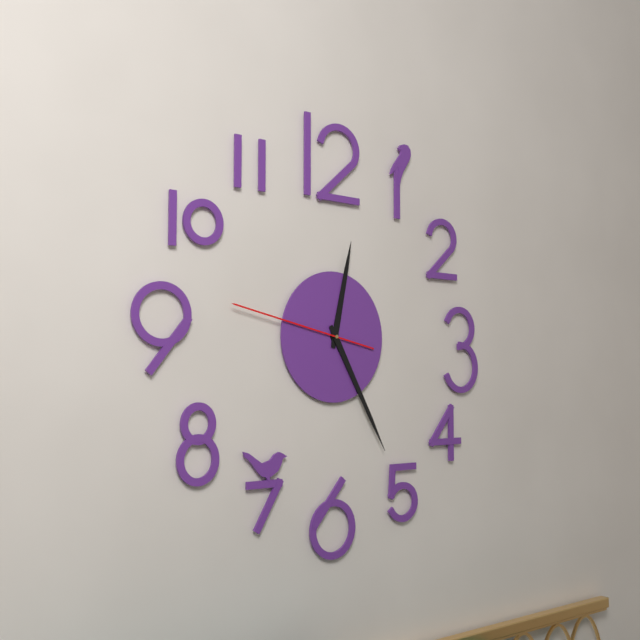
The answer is 12:25:47
